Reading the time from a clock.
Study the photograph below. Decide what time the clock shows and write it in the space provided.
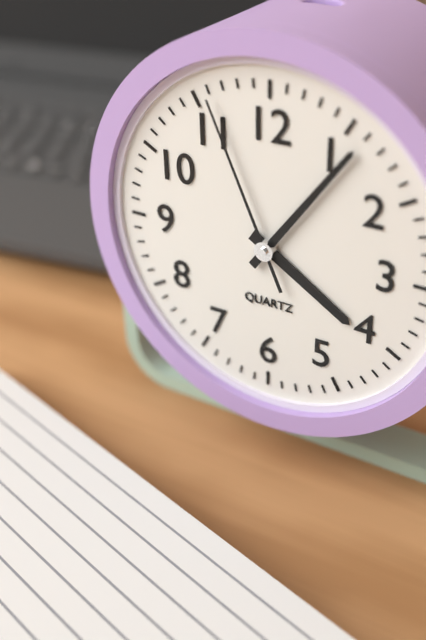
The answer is 4:06:56
